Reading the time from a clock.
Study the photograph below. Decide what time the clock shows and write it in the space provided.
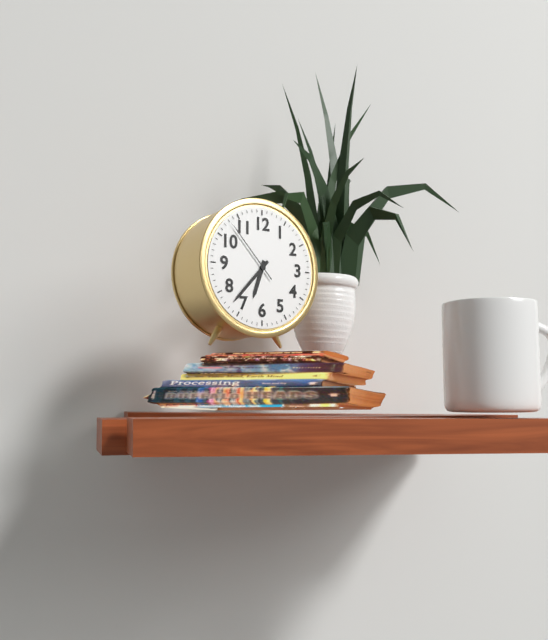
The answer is 6:37:53
